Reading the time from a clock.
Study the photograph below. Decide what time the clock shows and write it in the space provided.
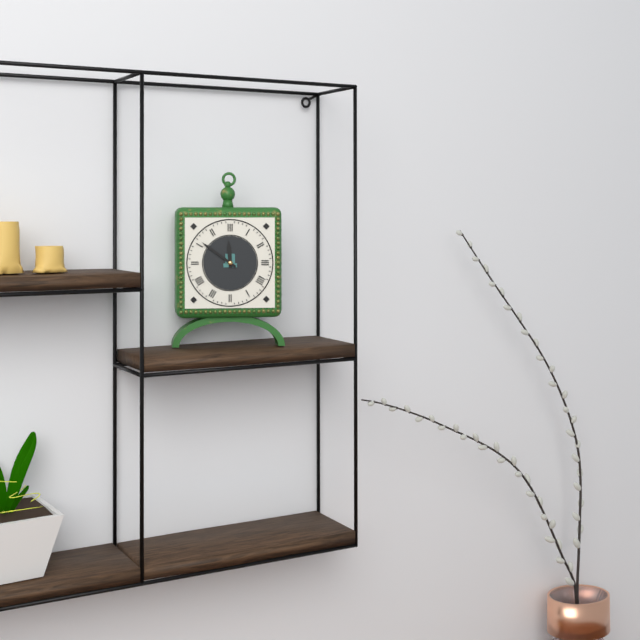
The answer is 11:51
